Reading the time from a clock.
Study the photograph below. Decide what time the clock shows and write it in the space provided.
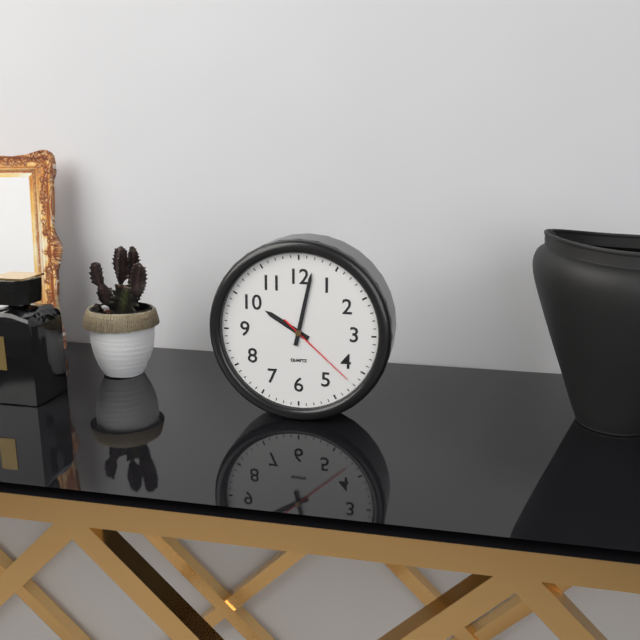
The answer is 10:02:22
